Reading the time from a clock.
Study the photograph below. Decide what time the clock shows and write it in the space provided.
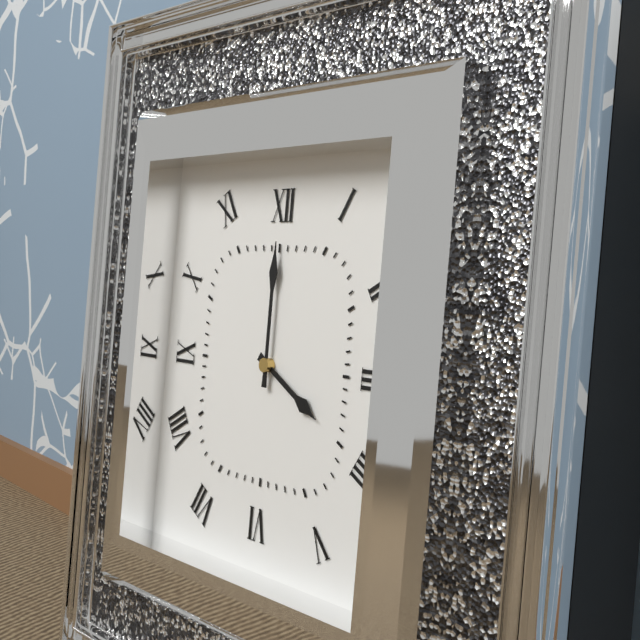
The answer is 4:00
